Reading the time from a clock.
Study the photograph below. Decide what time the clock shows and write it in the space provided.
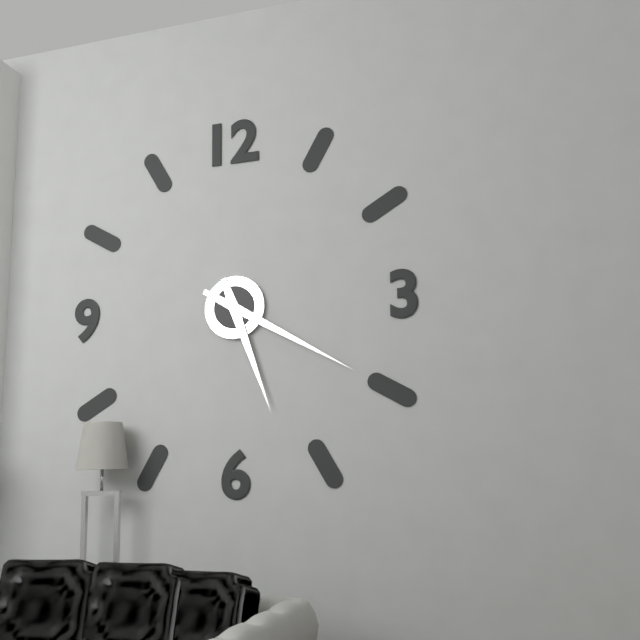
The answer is 5:20
